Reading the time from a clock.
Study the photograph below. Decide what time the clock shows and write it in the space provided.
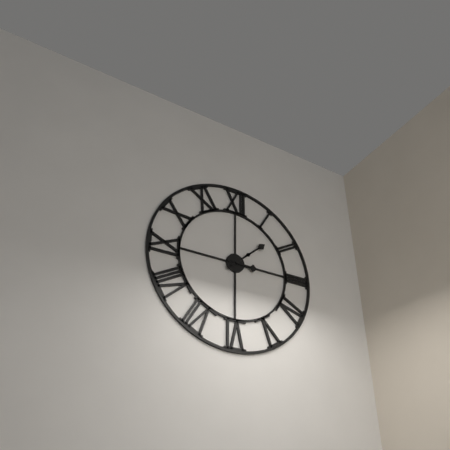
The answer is 3:08
